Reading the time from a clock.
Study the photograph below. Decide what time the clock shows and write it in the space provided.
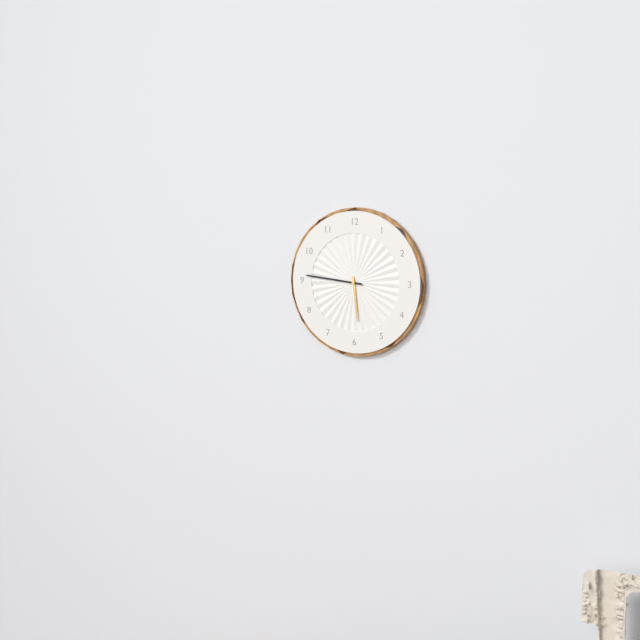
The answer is 5:46
